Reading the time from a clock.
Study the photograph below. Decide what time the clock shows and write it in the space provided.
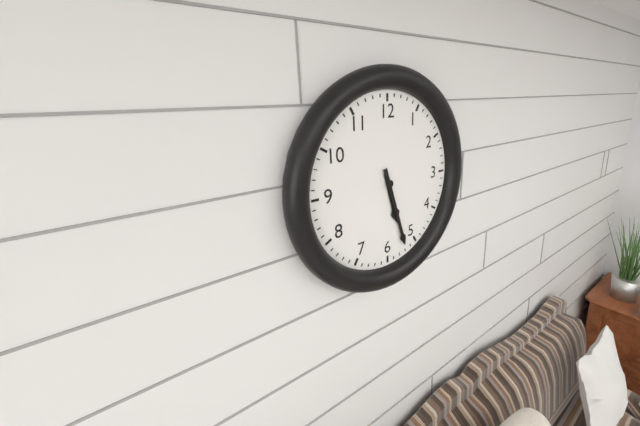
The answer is 5:27
